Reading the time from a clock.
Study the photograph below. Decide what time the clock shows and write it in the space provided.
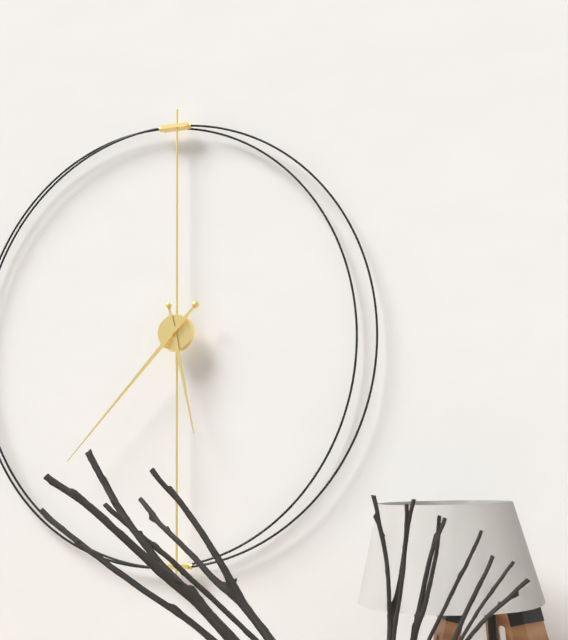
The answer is 5:37
